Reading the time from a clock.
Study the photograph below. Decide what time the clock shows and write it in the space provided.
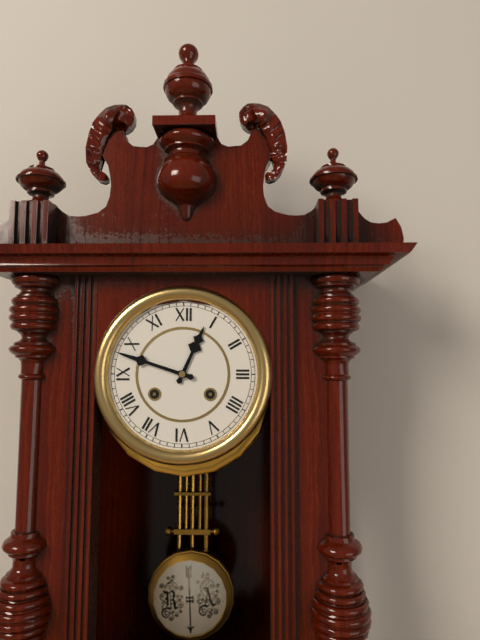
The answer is 12:48
